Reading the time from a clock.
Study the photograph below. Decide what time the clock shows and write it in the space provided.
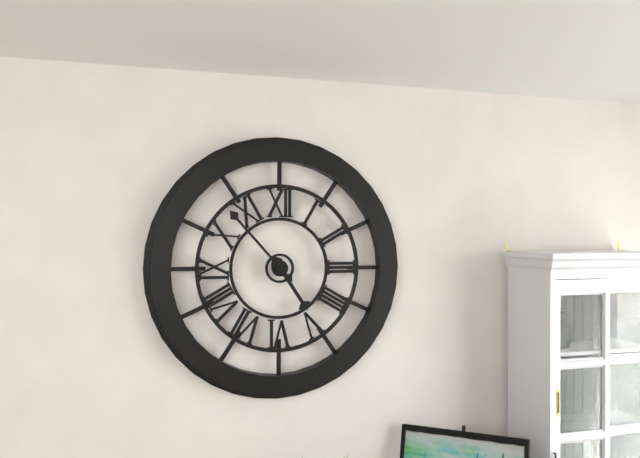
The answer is 4:53
